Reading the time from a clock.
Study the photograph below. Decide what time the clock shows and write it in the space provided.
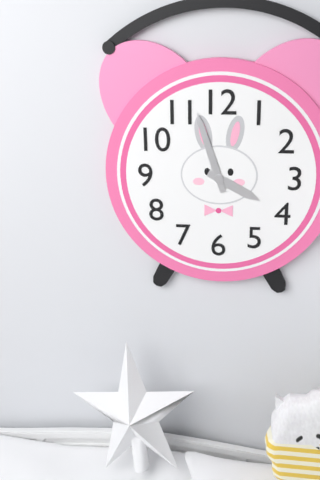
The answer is 3:57
